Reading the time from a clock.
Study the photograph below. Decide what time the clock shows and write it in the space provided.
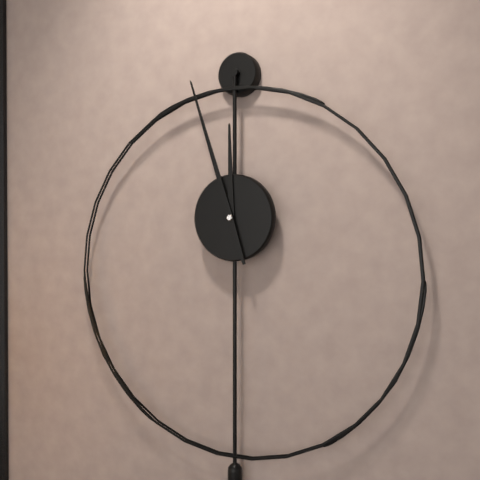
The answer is 11:57
